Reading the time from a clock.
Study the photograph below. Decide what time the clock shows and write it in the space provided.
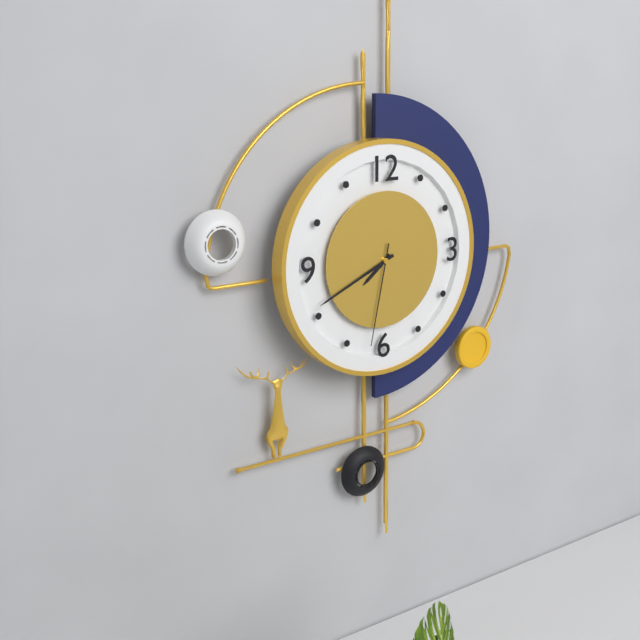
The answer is 7:41:32
